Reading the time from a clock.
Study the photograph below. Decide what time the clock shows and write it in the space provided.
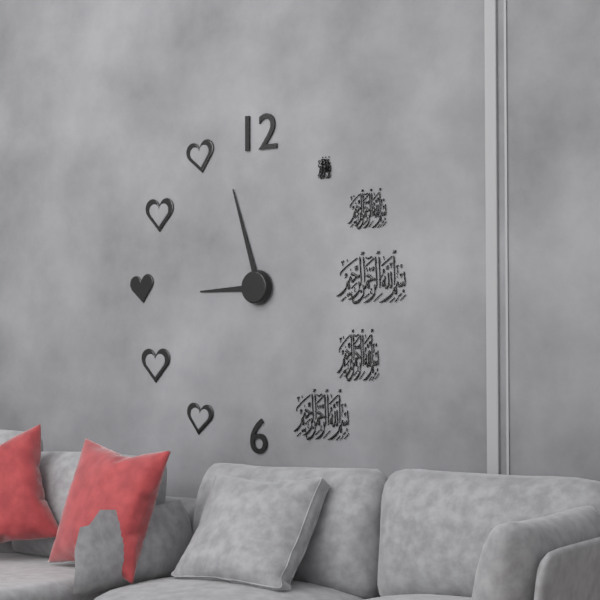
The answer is 8:57
